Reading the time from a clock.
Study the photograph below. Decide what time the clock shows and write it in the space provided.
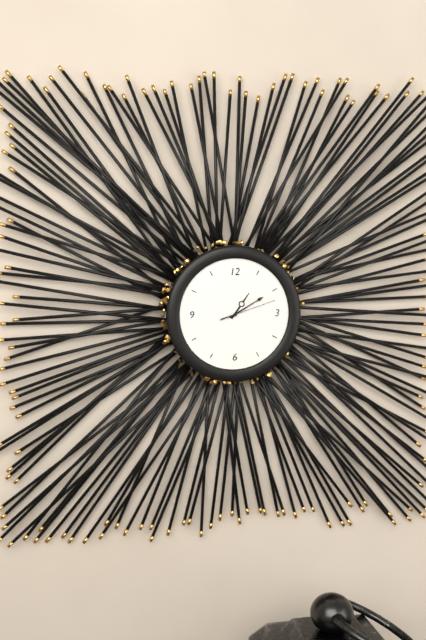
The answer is 1:10:12
